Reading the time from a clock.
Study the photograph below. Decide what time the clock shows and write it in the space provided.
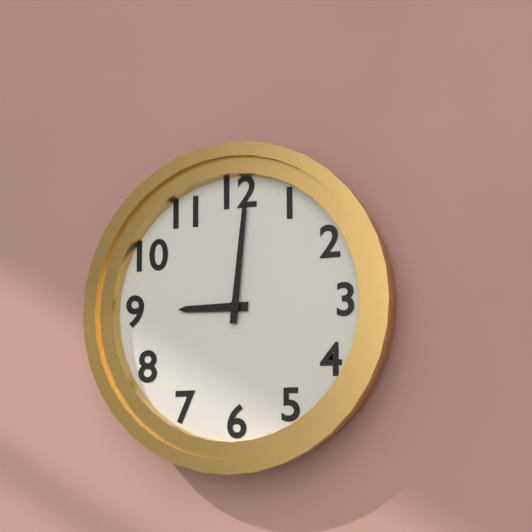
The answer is 9:01
